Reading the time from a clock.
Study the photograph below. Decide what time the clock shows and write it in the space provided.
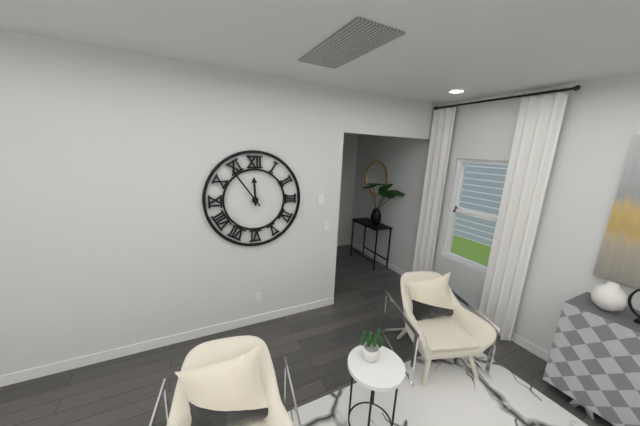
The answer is 11:54
